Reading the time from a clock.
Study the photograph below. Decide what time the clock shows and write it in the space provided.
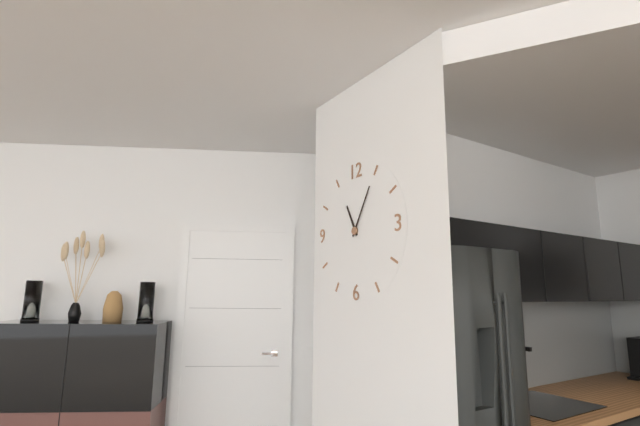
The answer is 11:05
